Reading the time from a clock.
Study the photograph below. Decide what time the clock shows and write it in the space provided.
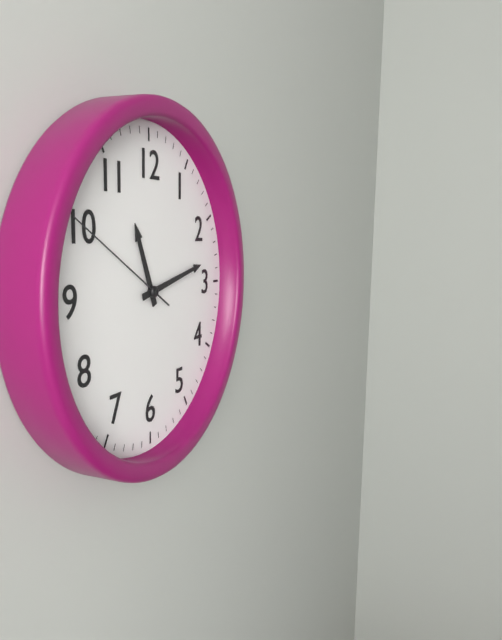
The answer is 11:13:50
